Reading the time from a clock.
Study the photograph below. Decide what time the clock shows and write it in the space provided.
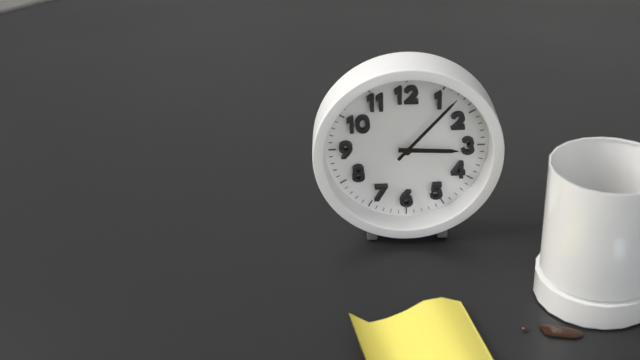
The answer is 3:07
